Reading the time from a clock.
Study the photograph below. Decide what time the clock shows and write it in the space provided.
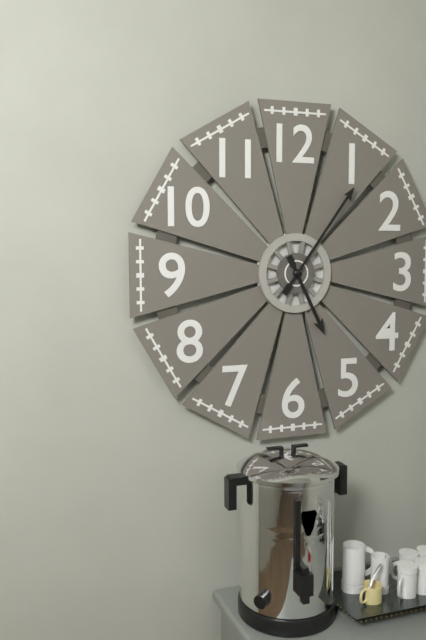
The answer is 5:06
